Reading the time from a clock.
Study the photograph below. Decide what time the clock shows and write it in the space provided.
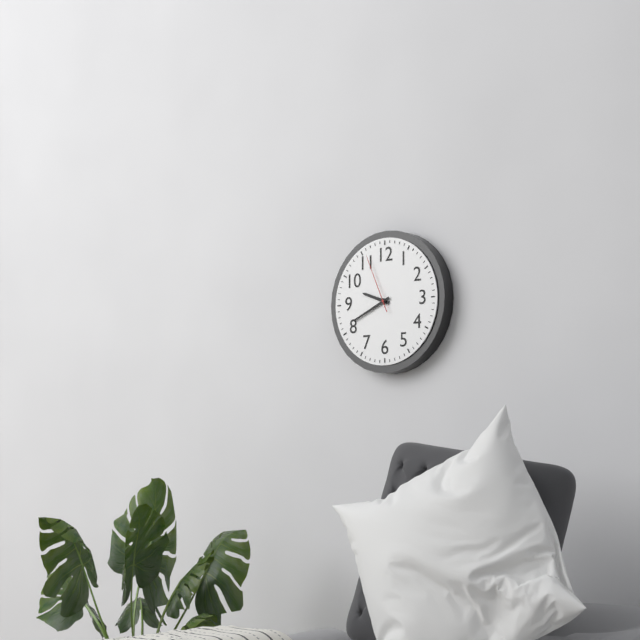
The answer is 9:41:56
